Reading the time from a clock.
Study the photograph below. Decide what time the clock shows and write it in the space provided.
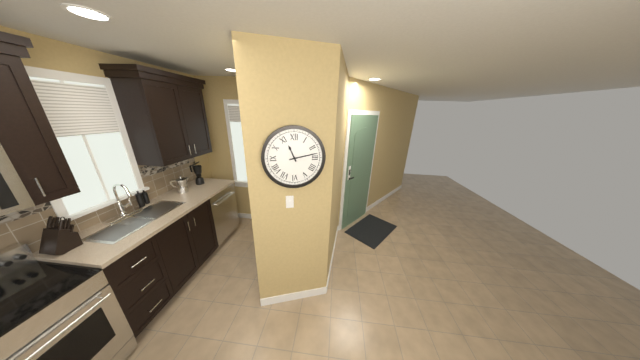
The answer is 11:13
